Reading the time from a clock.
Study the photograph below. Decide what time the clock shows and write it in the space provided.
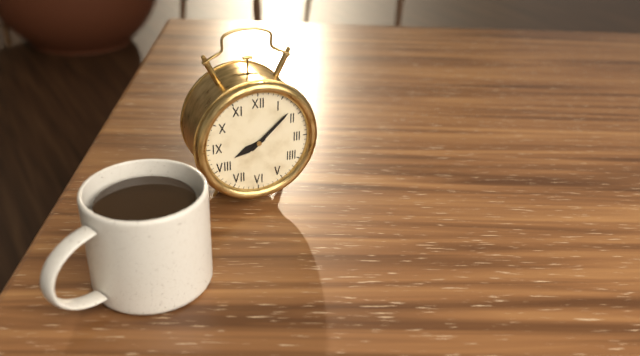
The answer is 8:08
